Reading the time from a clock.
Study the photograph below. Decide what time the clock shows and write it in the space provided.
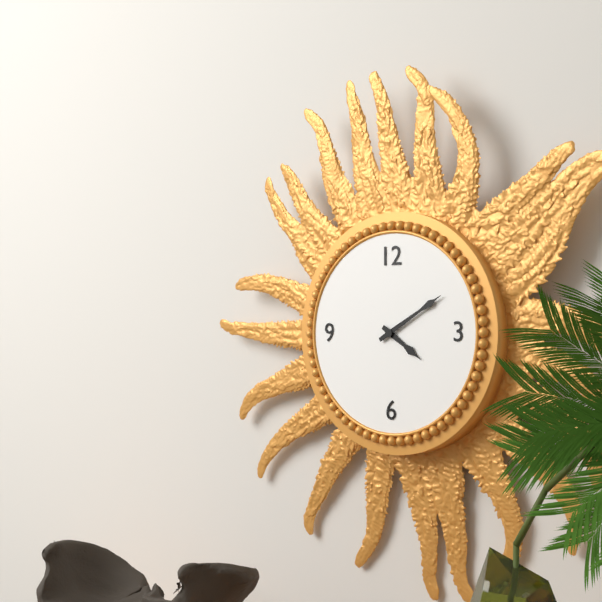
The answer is 4:10
